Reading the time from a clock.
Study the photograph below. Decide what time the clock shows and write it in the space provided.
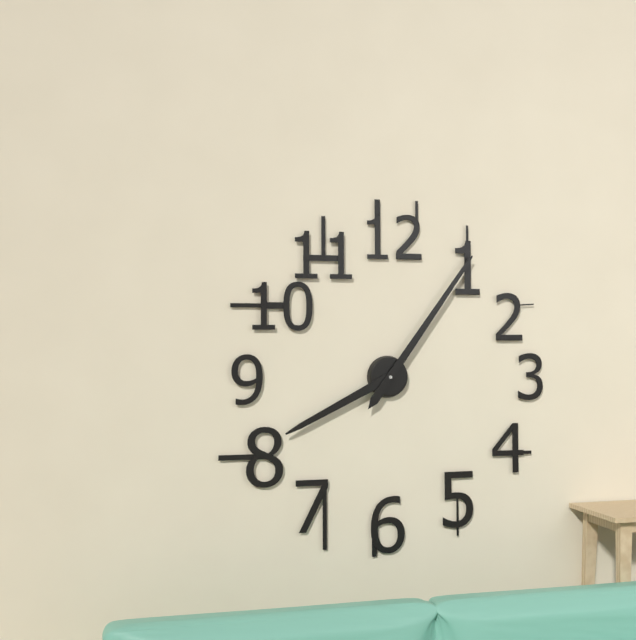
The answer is 8:06
